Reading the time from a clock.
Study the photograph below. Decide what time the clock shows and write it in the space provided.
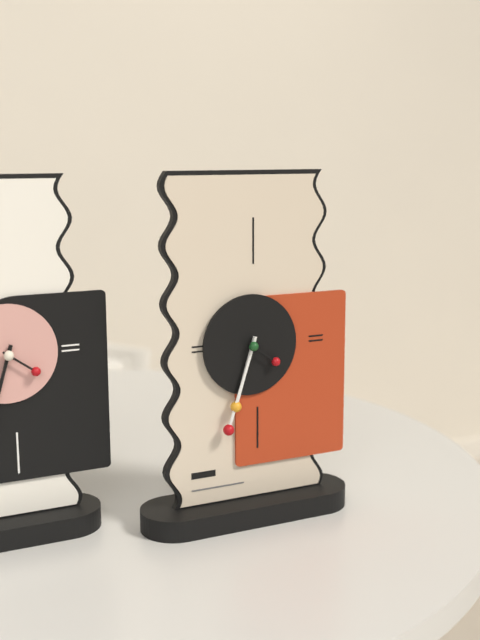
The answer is 6:33
